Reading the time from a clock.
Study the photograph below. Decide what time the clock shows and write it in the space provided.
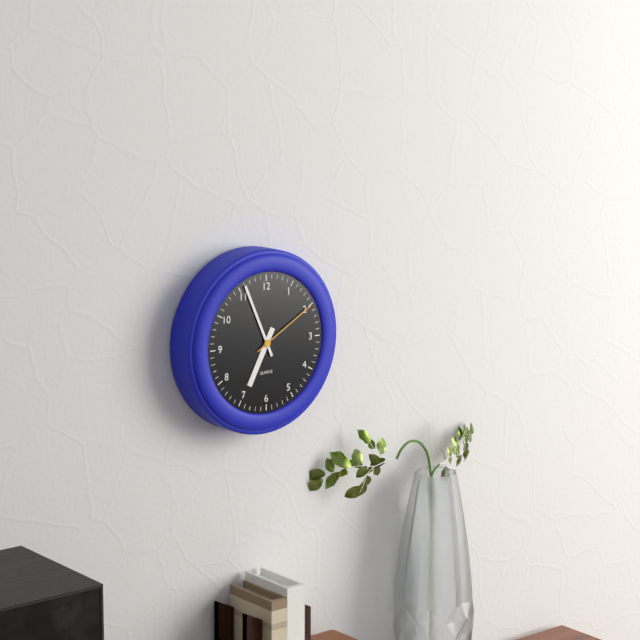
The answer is 6:56:10
